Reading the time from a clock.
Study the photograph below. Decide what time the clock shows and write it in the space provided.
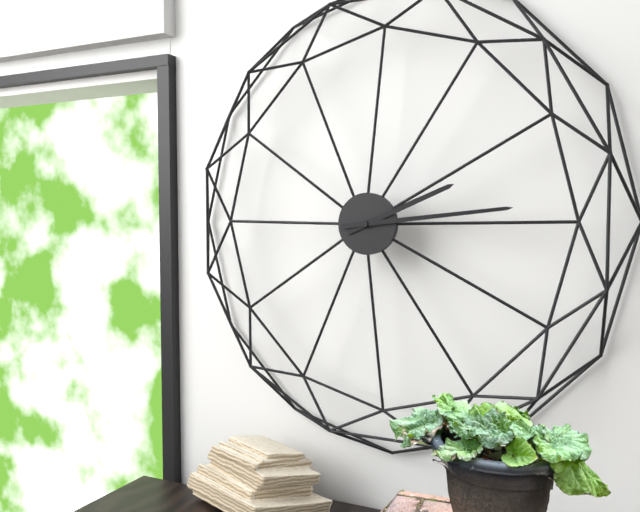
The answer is 2:14
